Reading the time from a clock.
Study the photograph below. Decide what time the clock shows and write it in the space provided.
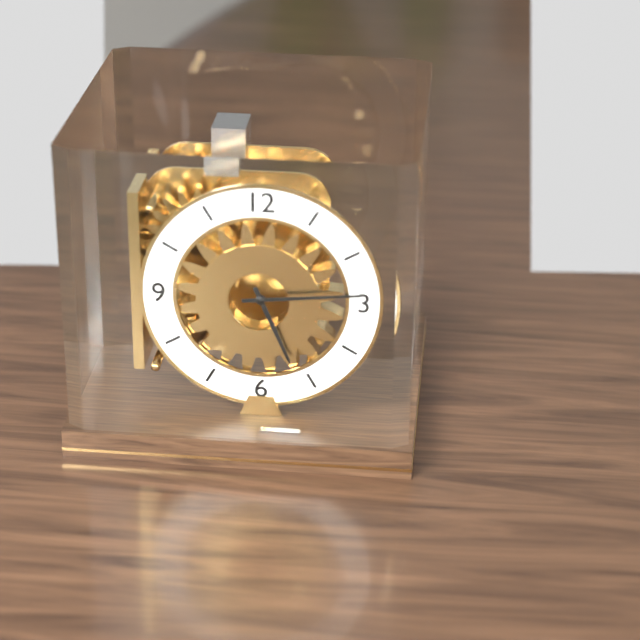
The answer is 5:14
